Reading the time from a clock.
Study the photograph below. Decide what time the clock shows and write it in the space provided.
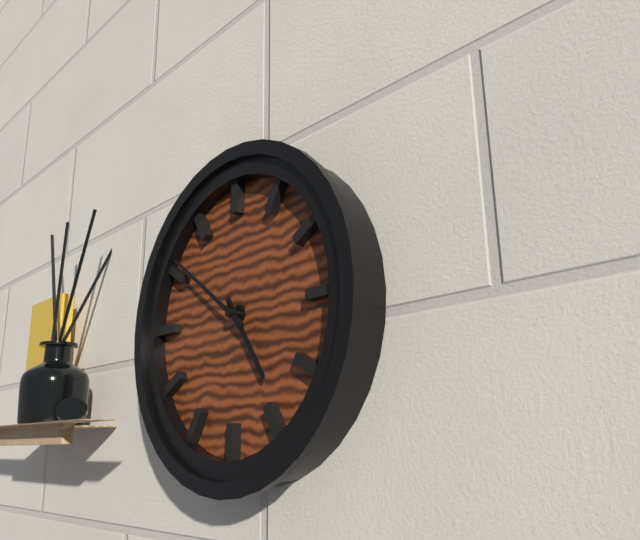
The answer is 4:51
